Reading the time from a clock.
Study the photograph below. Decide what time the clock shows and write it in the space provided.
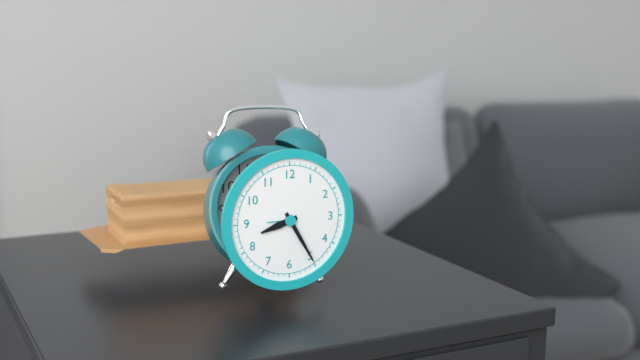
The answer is 8:25
